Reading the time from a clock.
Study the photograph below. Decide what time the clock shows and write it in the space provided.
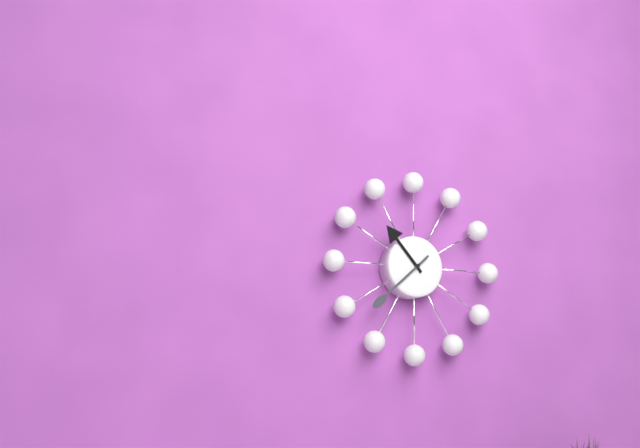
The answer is 10:38
